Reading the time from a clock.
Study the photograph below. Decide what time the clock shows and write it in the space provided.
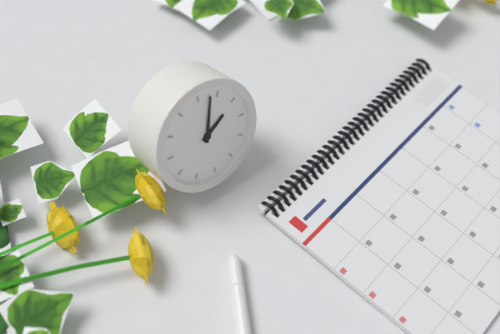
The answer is 2:03
